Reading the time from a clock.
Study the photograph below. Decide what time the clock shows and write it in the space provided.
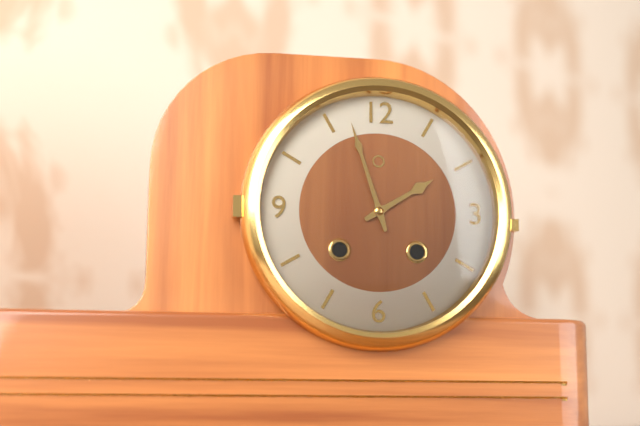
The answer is 1:57
